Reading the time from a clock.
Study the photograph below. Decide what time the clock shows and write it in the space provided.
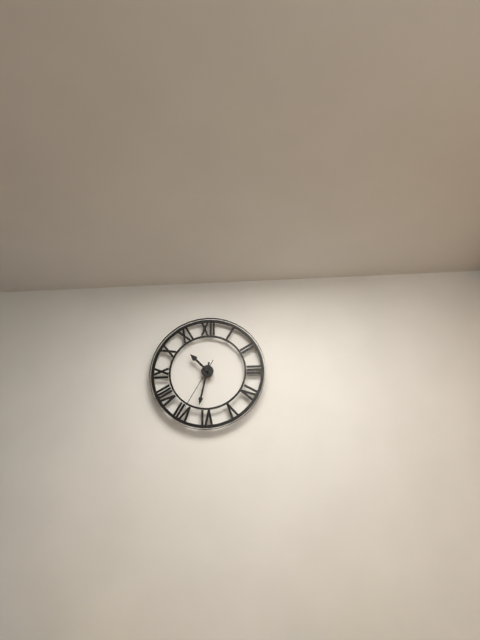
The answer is 10:32:35
